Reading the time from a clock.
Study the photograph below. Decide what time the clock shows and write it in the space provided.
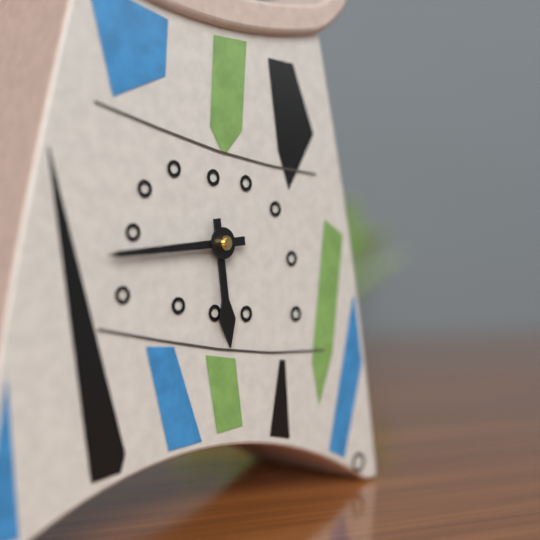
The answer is 5:44
